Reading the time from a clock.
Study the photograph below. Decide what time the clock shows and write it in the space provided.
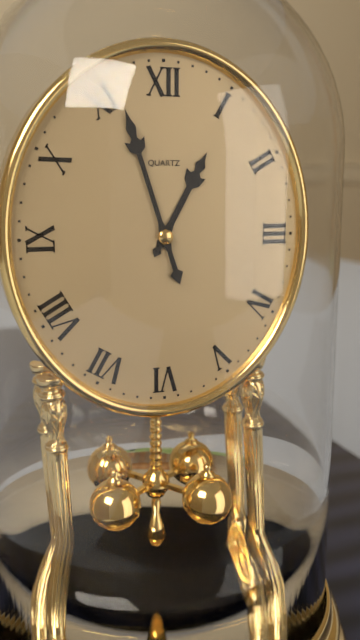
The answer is 12:57
